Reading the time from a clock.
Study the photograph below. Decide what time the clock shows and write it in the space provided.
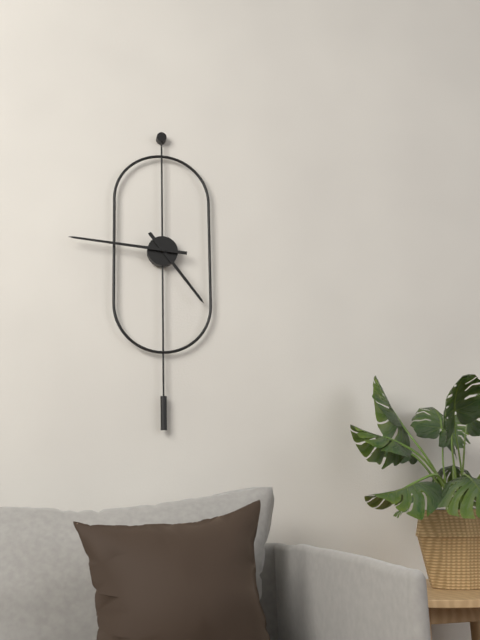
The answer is 4:46
